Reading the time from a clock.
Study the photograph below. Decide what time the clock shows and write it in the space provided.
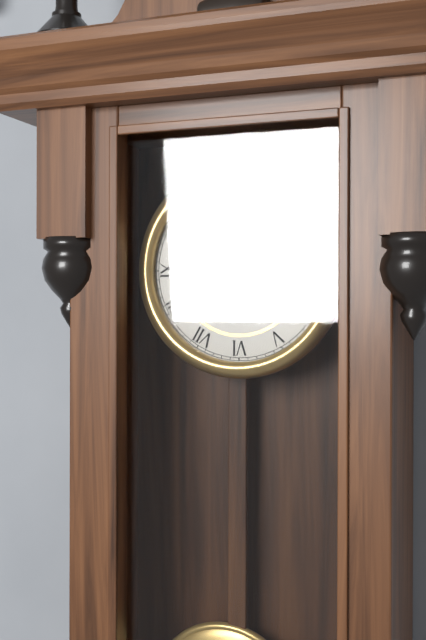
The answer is 3:48
